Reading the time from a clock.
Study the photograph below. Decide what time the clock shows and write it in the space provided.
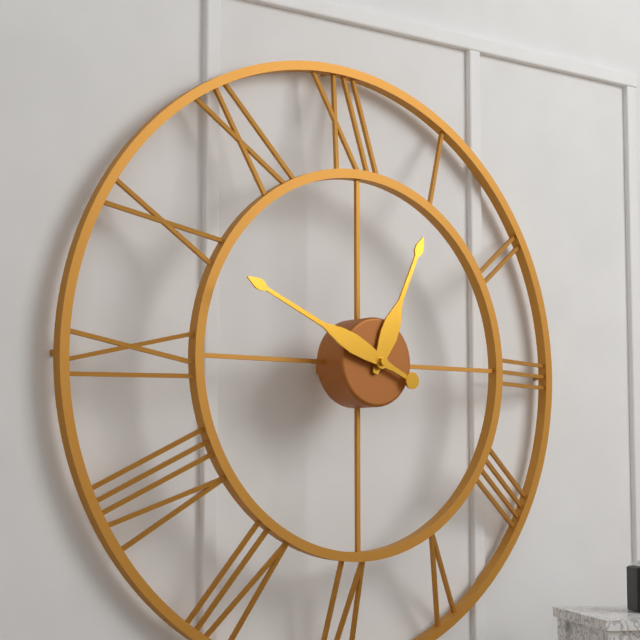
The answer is 12:49
